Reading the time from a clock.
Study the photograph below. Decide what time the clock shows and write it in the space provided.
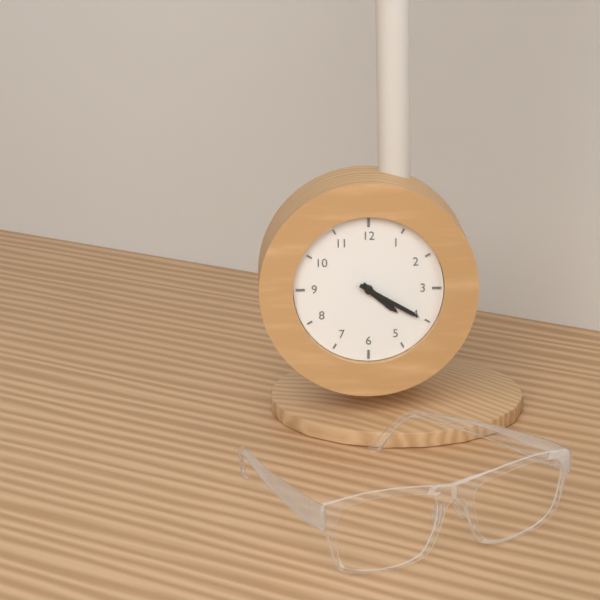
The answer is 4:20
